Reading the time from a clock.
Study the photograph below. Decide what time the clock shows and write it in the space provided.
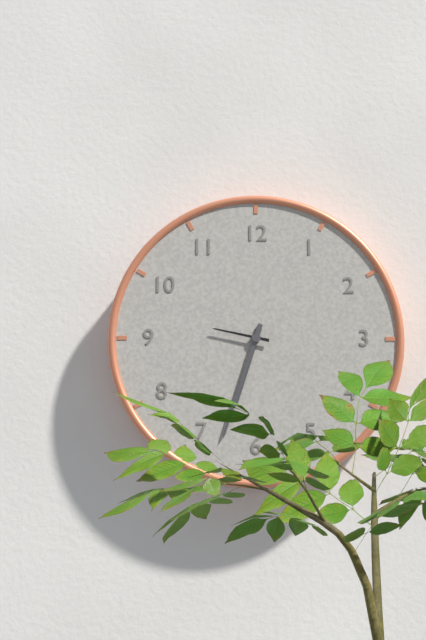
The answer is 6:33:47
